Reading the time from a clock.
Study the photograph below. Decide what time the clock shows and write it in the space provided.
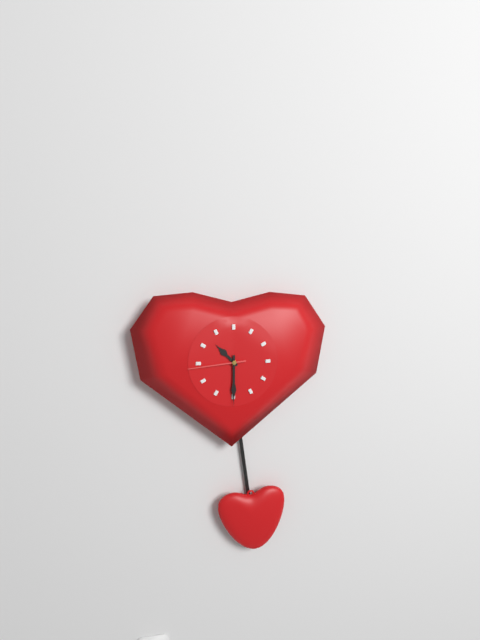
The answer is 10:30:44
